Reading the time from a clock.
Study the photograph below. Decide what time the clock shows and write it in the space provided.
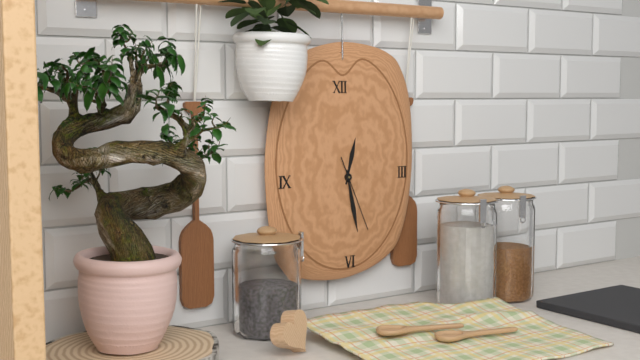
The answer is 12:28:26
